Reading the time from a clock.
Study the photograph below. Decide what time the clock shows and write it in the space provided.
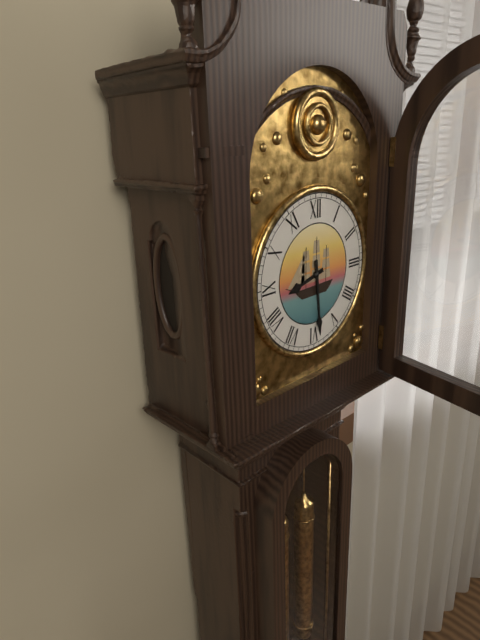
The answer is 8:29
